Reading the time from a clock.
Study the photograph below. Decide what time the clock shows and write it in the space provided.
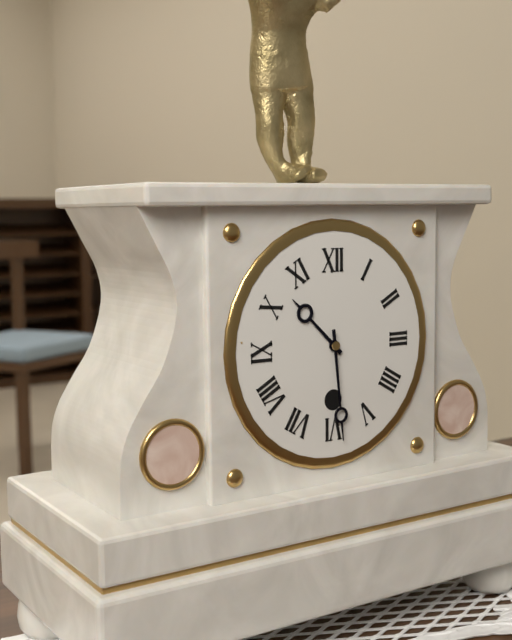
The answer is 10:29
